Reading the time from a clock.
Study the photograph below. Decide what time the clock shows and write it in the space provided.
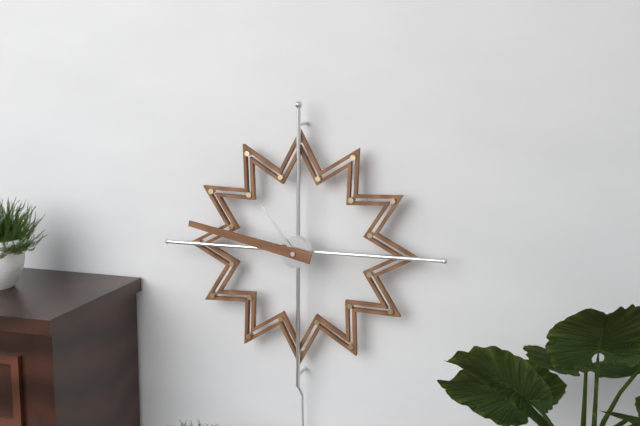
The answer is 10:47
